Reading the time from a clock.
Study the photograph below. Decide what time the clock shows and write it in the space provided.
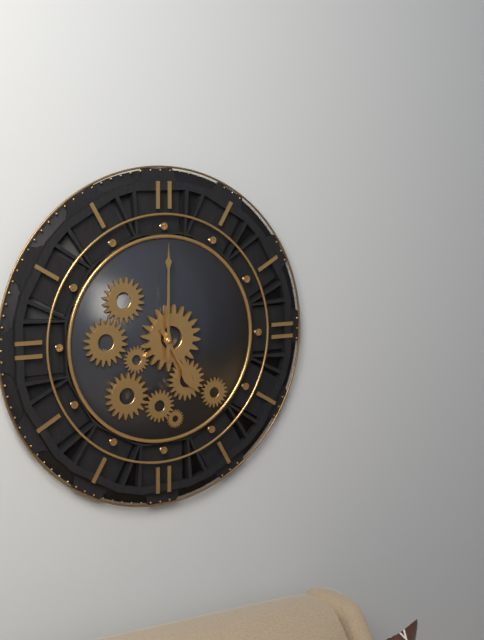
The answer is 5:00
